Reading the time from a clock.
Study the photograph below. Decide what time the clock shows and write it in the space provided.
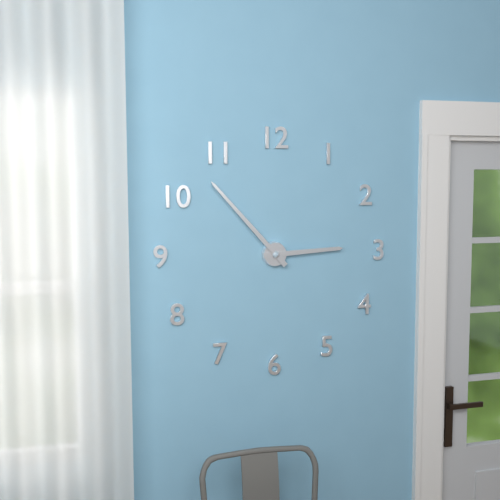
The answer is 2:53
